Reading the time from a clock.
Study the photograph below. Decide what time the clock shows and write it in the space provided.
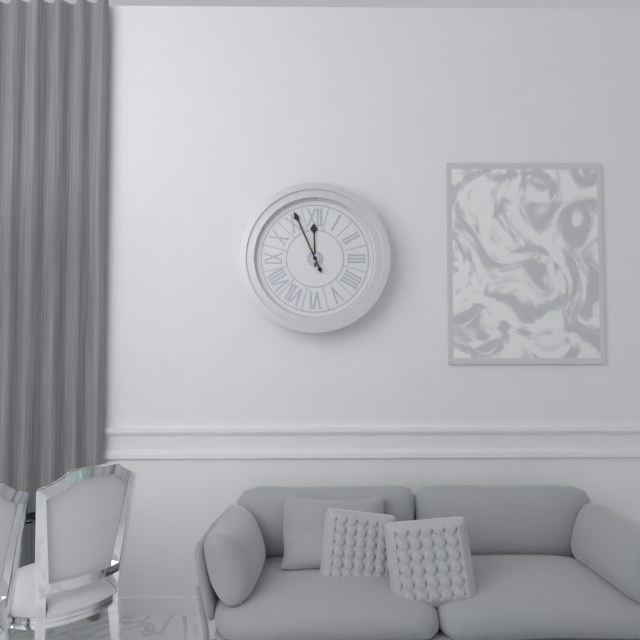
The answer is 11:56
